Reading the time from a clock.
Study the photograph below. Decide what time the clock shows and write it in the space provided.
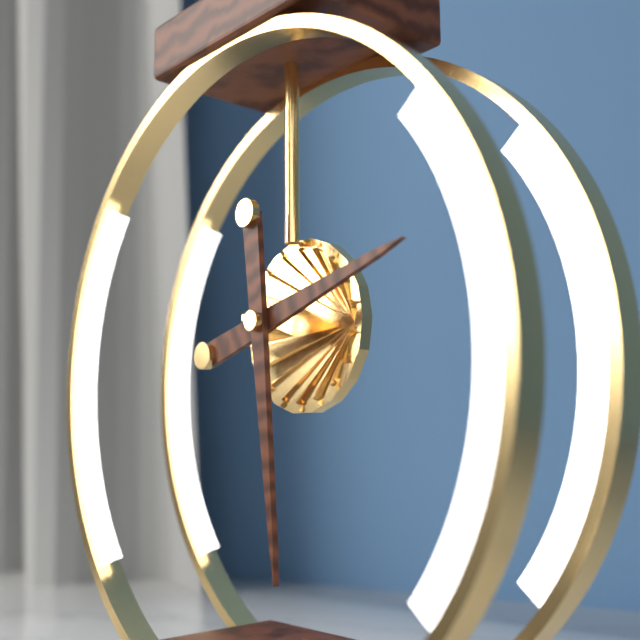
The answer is 2:29
